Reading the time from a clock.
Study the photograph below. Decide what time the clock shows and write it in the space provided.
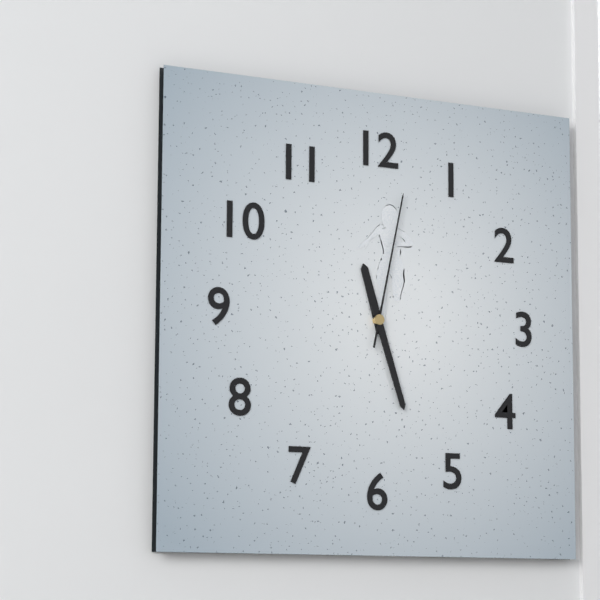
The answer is 11:27:02
